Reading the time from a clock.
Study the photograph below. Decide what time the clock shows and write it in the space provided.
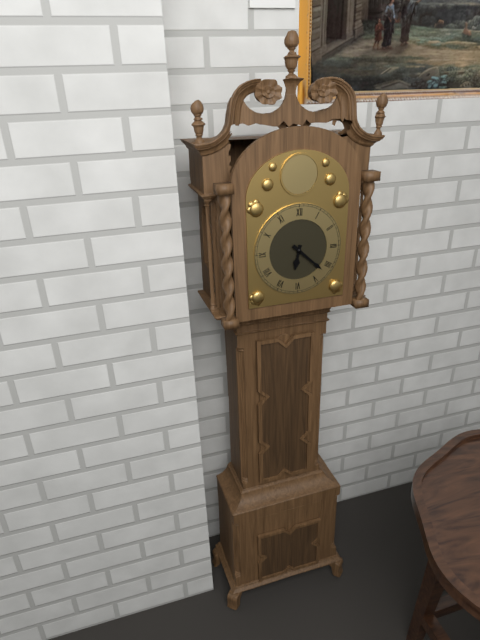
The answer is 6:22
